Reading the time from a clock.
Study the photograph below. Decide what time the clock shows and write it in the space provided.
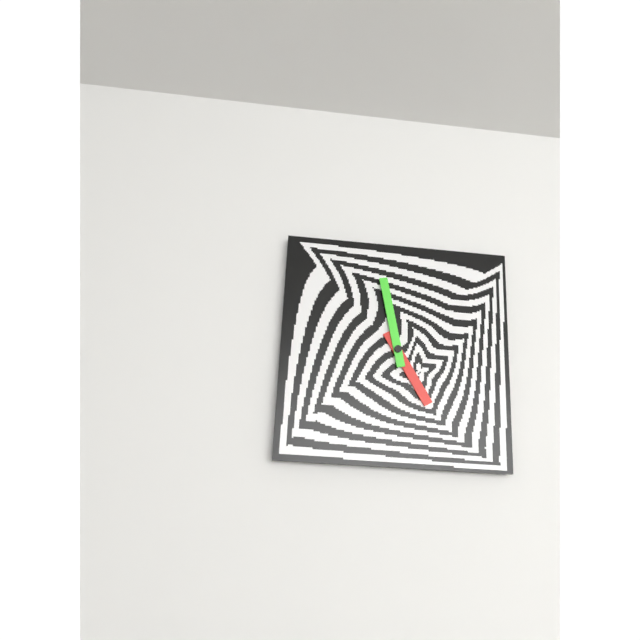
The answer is 4:58
